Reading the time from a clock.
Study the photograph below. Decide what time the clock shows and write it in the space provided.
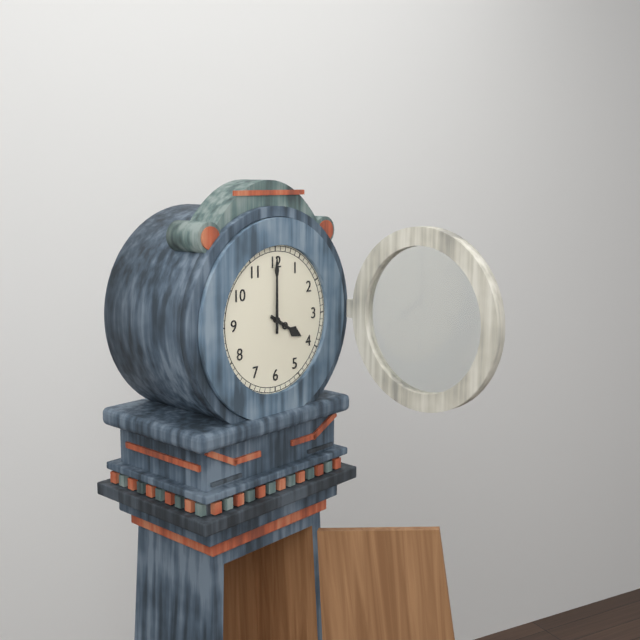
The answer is 4:00
